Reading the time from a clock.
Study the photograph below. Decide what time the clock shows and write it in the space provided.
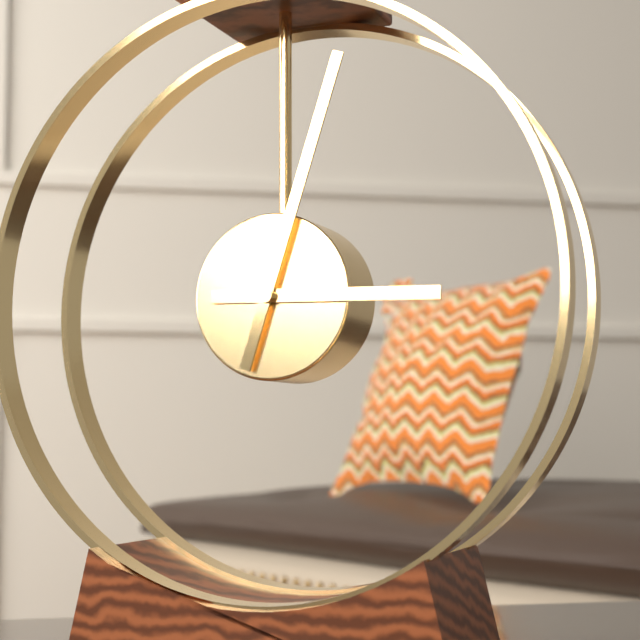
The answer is 3:03
